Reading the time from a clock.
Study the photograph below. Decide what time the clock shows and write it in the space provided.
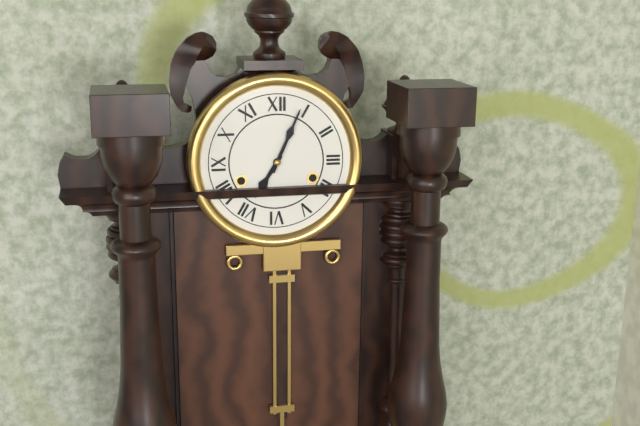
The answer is 7:04
